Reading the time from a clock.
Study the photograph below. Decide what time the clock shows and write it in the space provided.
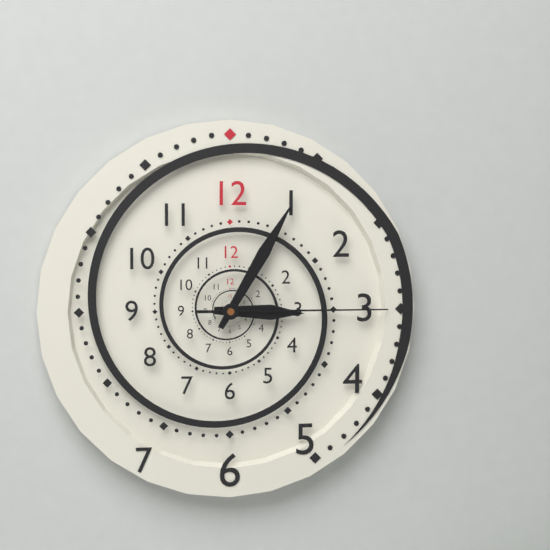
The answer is 3:05:15
